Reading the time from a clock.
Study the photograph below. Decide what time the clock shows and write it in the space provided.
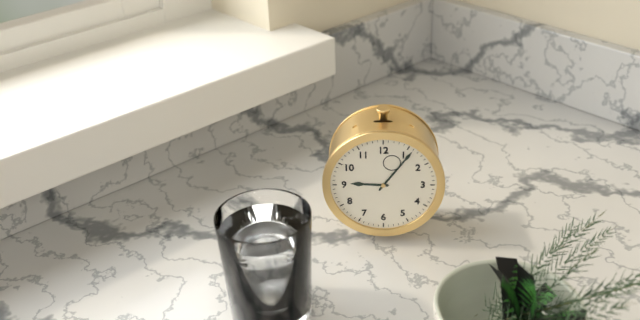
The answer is 9:06
